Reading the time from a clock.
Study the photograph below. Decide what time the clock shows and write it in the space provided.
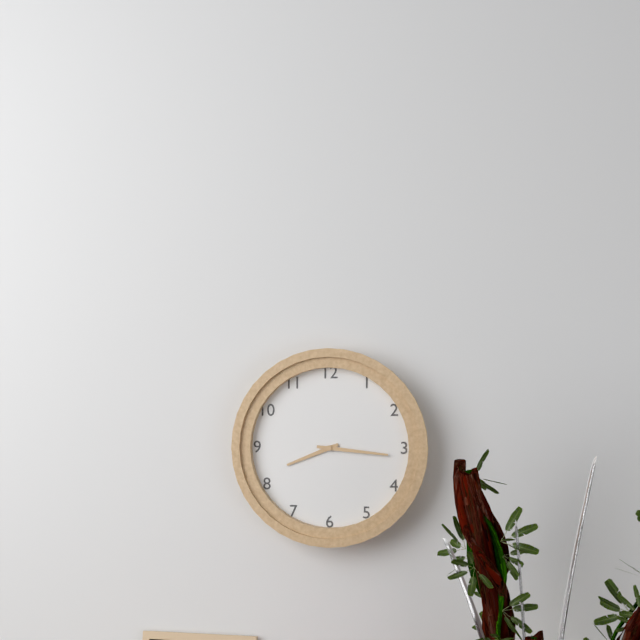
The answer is 8:16
